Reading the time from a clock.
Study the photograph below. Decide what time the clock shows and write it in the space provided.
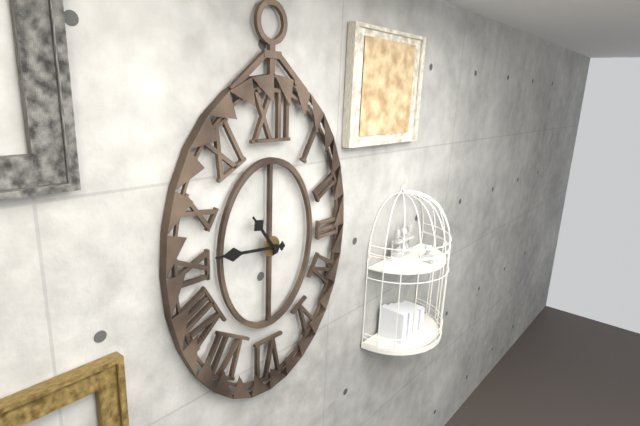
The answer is 10:46
